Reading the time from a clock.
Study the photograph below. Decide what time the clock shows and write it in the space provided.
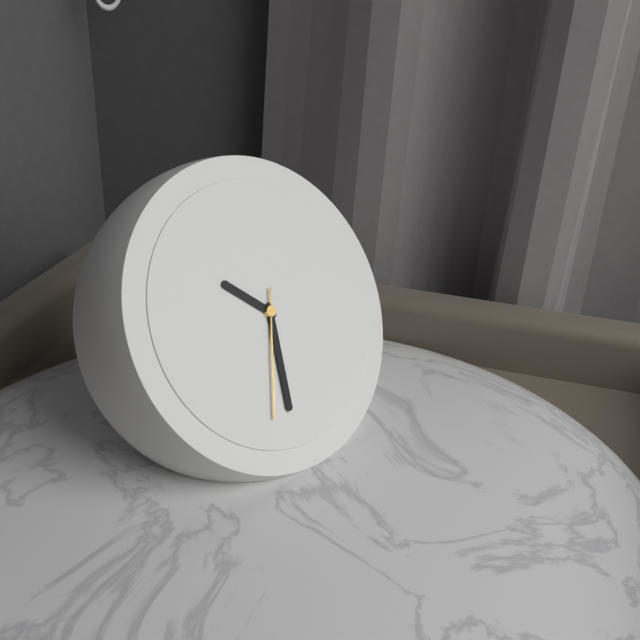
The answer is 10:32:34
